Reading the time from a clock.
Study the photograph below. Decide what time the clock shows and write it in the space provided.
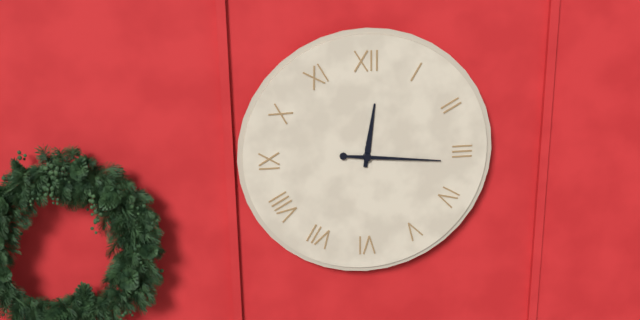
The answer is 12:16
